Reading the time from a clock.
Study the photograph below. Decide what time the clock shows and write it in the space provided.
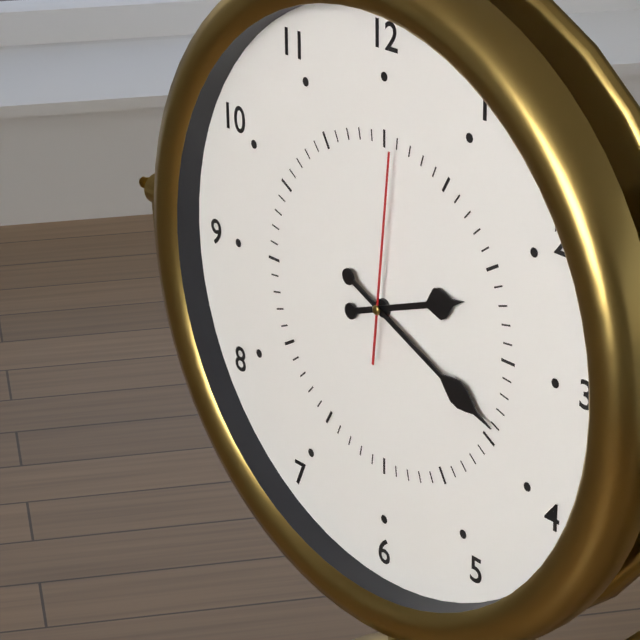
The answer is 2:19:01
